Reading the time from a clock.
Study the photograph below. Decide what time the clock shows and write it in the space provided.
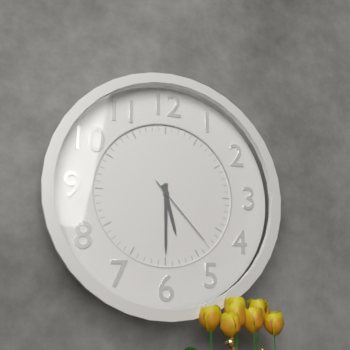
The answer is 5:30:23
